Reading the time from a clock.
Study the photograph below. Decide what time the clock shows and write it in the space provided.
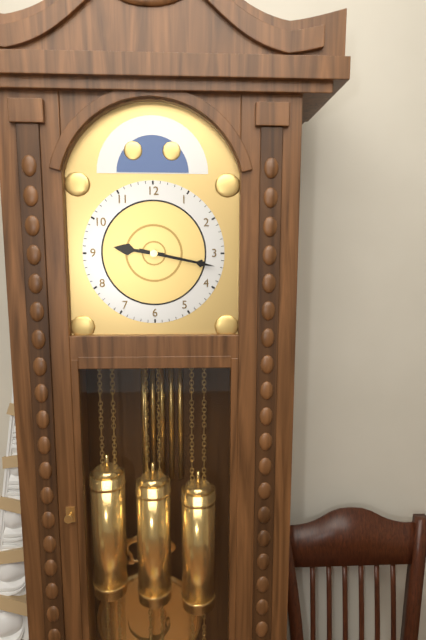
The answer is 9:17
